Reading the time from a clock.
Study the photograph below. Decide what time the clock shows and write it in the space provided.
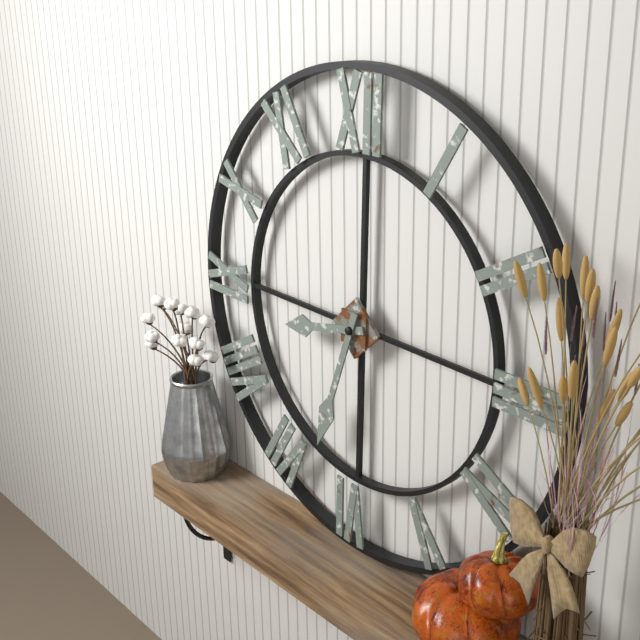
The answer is 8:33
